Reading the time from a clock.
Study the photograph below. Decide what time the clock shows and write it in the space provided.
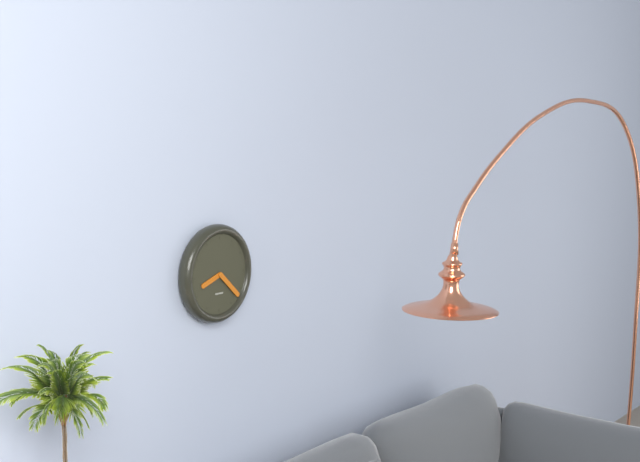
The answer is 8:22
